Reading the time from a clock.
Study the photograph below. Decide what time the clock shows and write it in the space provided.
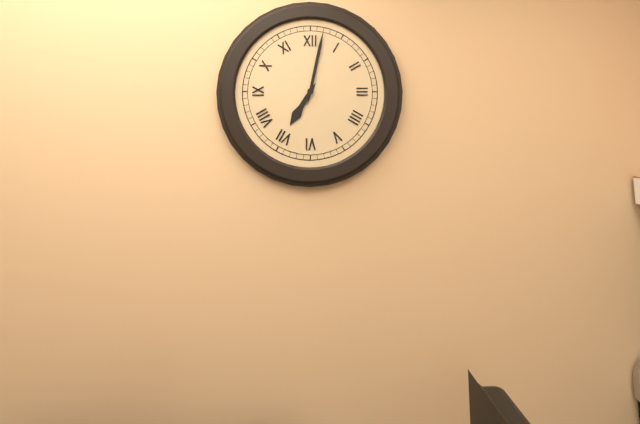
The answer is 7:02
